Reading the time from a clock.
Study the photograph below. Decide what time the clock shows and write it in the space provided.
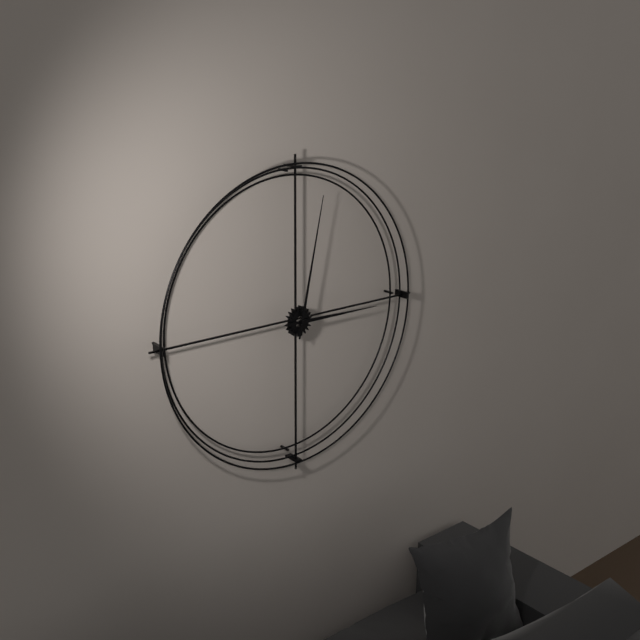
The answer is 3:02
